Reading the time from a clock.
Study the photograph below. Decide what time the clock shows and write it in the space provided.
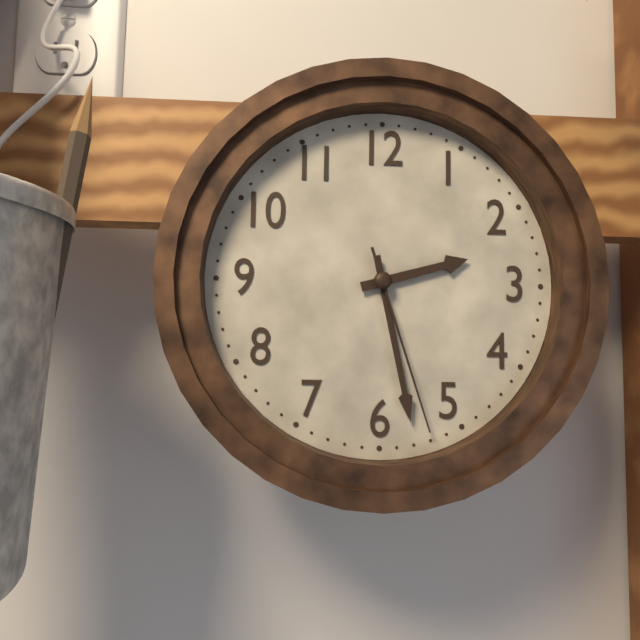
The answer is 2:28:27
